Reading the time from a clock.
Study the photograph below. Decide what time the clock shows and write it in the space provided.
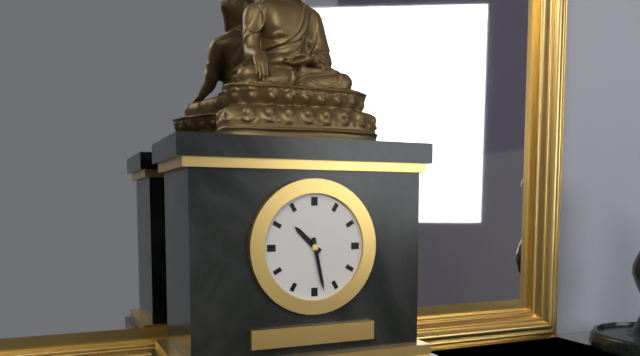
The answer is 10:28
